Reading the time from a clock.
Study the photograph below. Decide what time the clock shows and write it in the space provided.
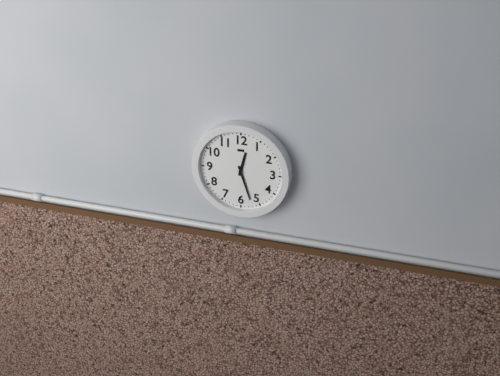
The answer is 12:27
